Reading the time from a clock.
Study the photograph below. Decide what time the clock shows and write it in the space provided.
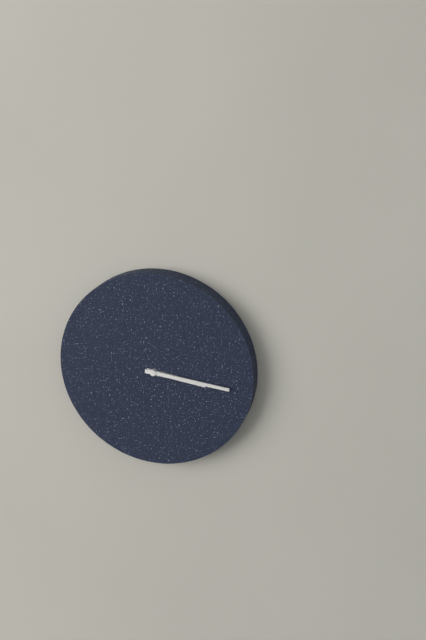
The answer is 3:16
